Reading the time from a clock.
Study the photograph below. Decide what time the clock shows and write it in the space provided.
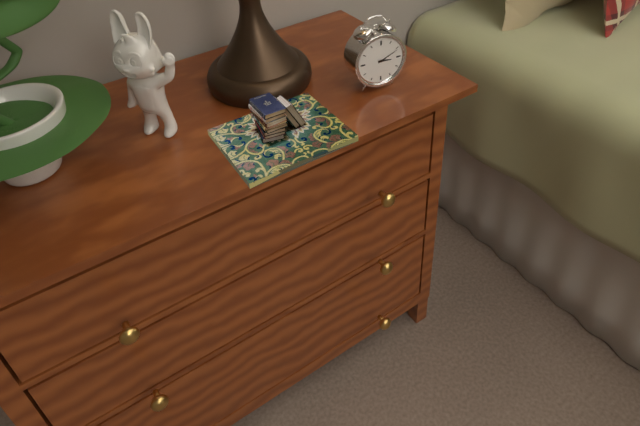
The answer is 3:11
